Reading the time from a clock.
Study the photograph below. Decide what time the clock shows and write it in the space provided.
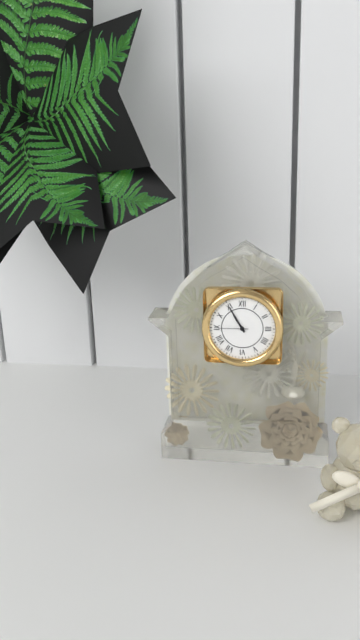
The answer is 10:55
